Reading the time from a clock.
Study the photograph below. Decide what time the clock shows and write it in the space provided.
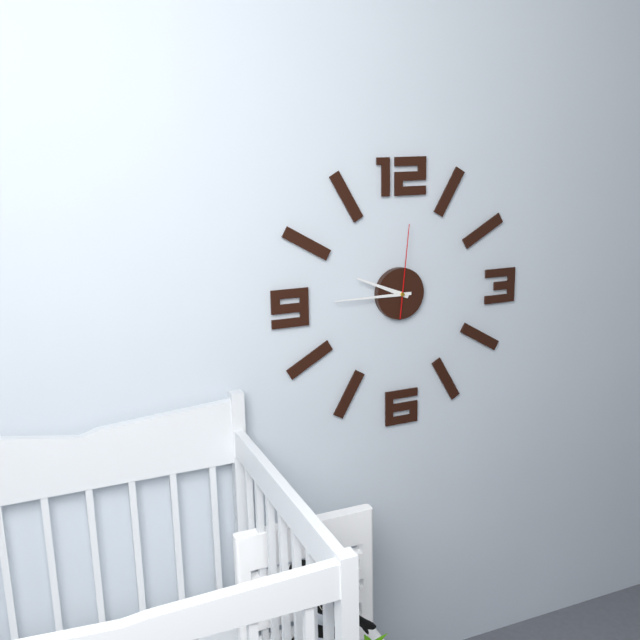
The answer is 9:45:01
